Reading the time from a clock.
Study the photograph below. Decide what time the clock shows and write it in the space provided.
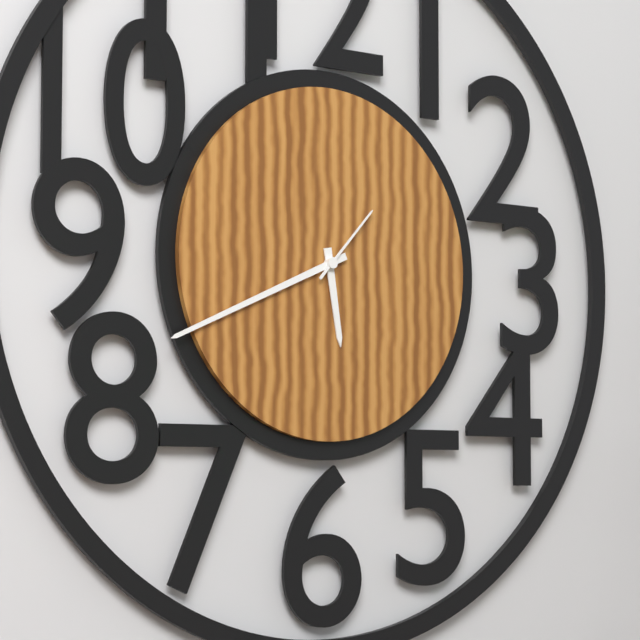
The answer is 5:41:07
